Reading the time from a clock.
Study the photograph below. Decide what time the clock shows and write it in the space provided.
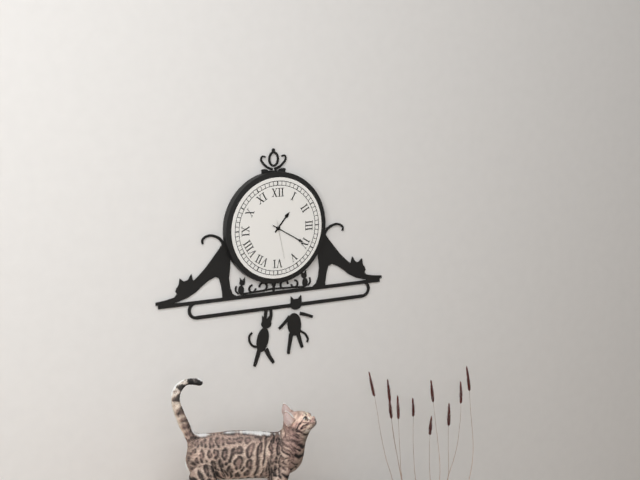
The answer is 1:20
